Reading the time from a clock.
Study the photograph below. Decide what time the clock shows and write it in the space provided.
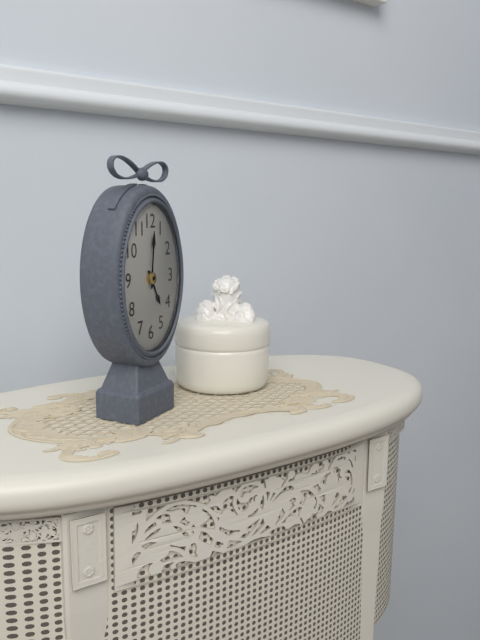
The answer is 5:01
